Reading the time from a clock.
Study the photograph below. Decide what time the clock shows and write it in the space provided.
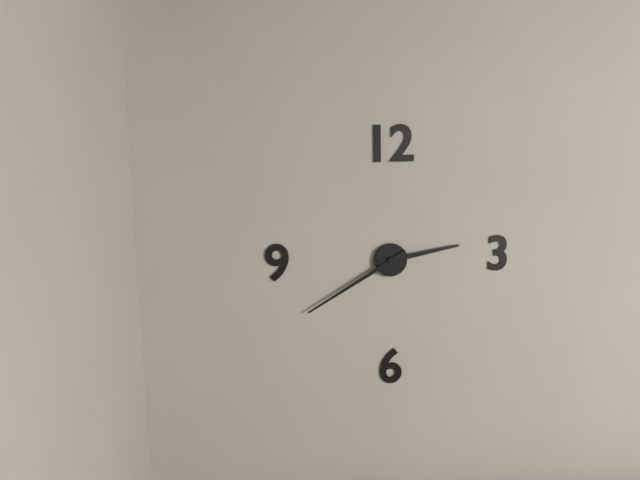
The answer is 2:40
